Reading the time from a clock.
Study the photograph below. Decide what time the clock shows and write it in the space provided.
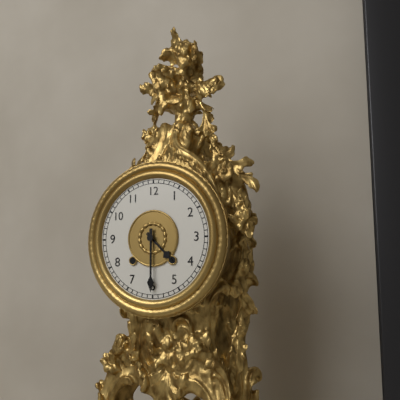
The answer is 4:30
